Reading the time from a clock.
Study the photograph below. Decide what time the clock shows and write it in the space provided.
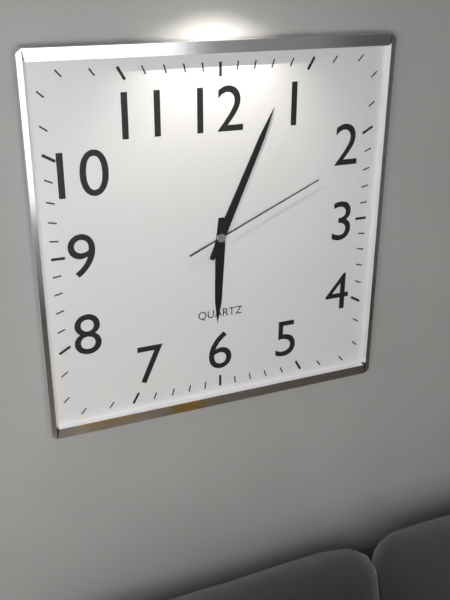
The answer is 6:04:11
